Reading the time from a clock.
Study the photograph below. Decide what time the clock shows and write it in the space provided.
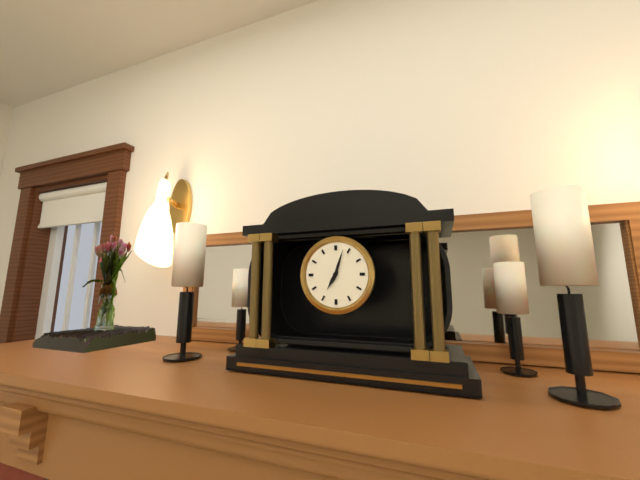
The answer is 7:03
